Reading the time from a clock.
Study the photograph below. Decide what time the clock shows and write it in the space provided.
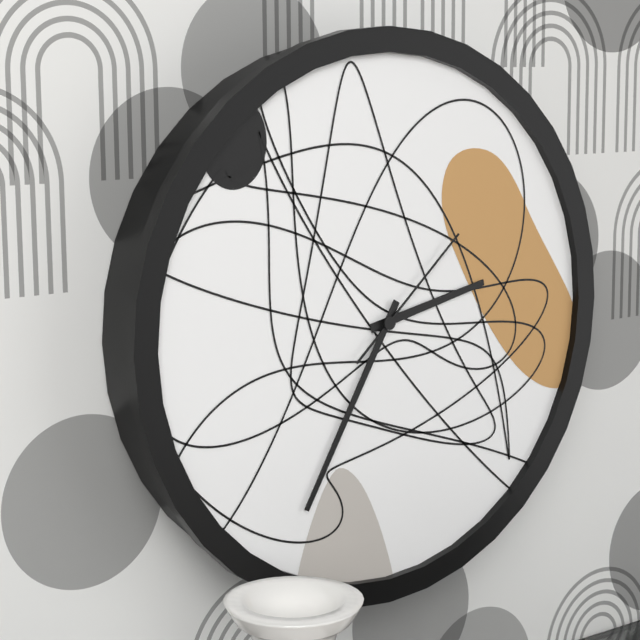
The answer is 2:35:08
